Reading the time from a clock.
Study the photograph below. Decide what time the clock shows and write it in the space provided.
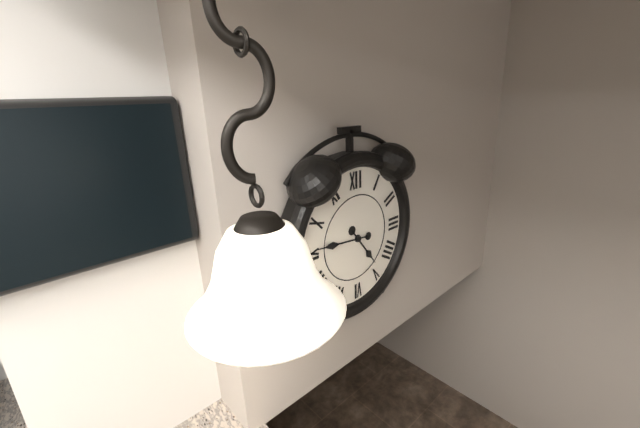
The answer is 4:46
